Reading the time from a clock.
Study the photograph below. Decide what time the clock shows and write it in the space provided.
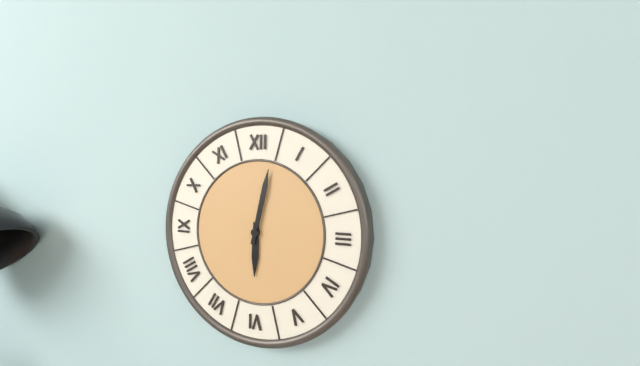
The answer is 6:02
